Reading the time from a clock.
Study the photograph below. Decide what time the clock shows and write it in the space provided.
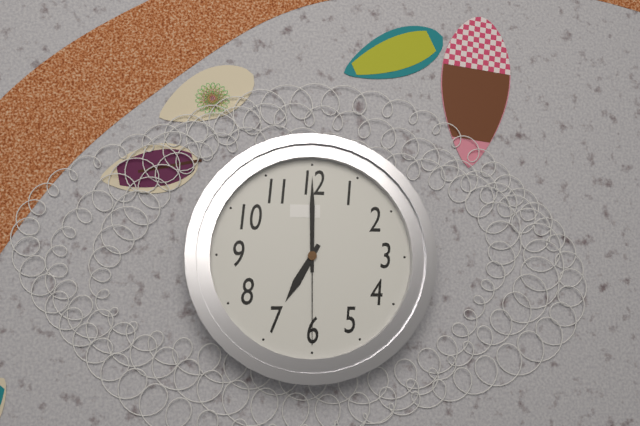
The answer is 7:00:30
